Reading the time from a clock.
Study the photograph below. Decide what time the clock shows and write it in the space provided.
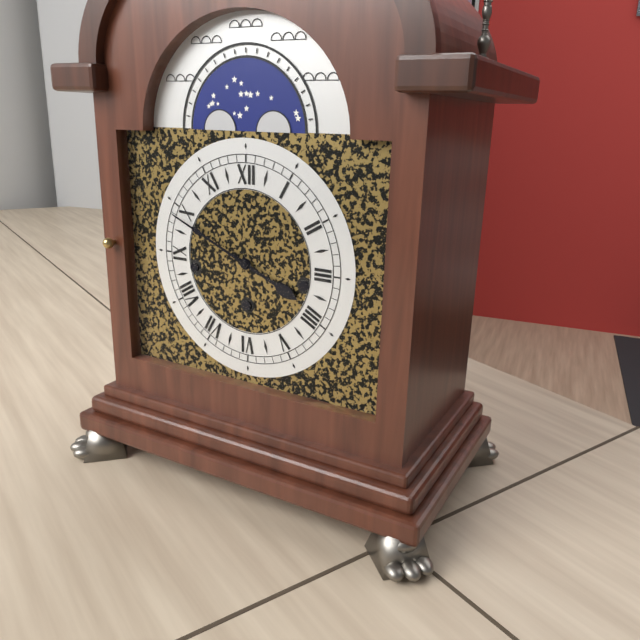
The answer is 3:49
